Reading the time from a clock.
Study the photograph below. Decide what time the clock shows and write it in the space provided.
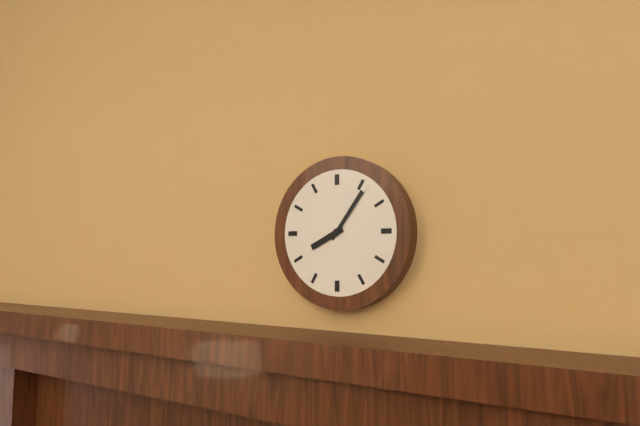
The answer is 8:06
